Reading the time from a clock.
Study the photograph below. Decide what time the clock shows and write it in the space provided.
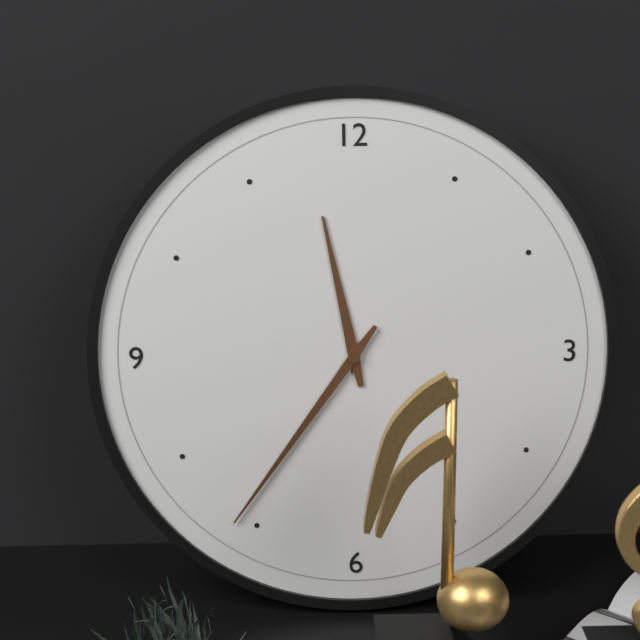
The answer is 11:36
